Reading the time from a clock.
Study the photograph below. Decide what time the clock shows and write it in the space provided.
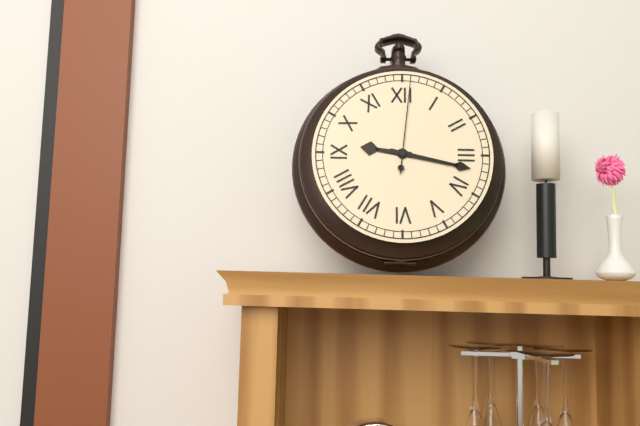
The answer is 9:17:01
